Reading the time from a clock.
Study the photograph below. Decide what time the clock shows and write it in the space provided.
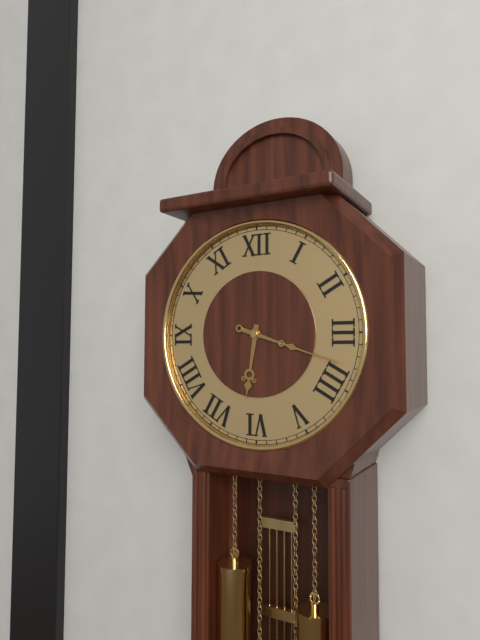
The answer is 6:18
